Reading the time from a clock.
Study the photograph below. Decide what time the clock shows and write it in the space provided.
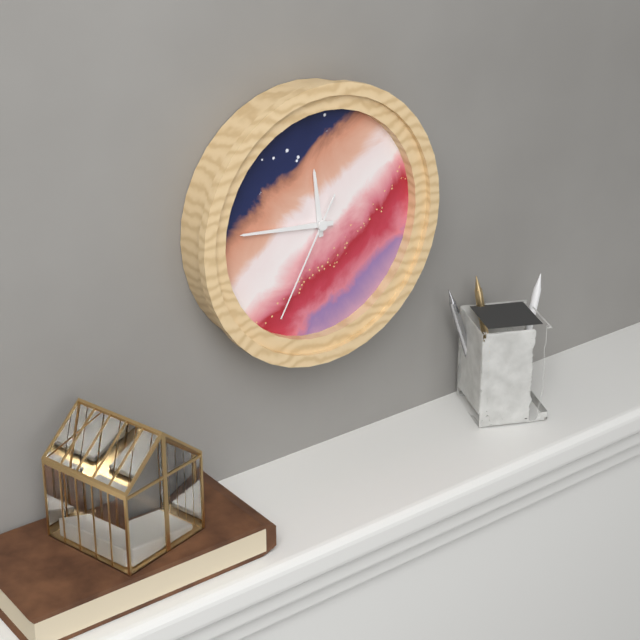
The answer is 11:46:35
